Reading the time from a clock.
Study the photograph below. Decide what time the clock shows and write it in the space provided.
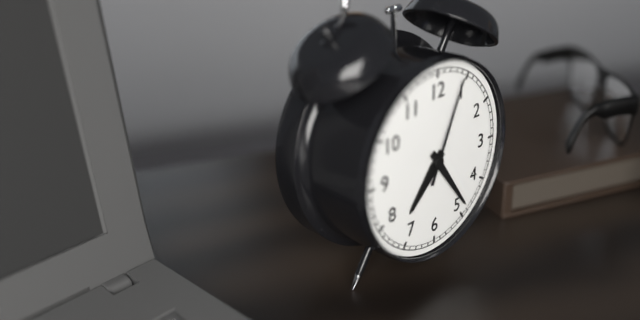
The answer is 7:24:04
